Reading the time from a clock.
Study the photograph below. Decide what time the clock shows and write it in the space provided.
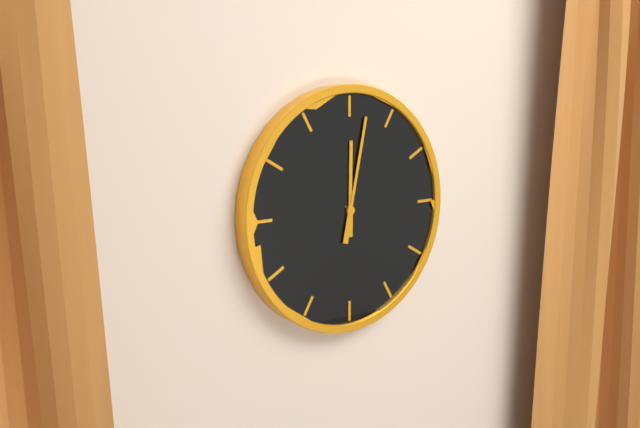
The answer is 12:02
